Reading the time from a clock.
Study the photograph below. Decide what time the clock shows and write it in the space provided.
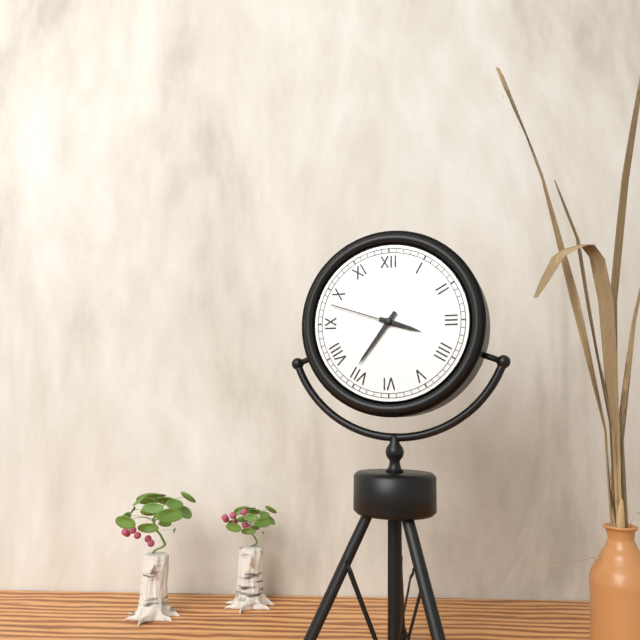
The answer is 3:36:48
